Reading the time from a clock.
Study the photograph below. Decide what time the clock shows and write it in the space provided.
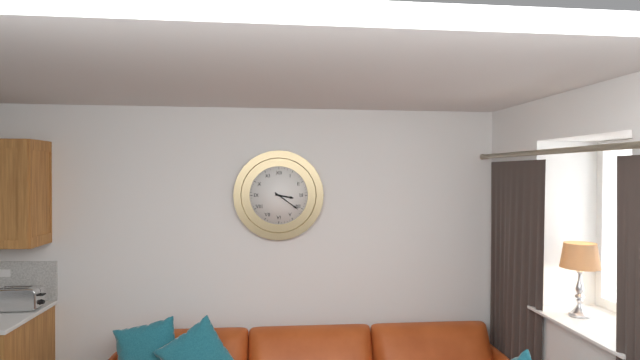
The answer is 3:21
